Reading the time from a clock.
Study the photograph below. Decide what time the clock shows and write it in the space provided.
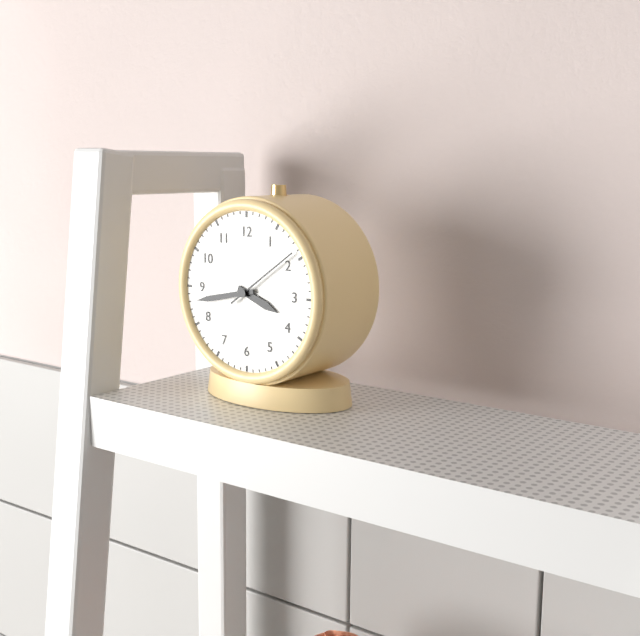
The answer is 3:43:09
